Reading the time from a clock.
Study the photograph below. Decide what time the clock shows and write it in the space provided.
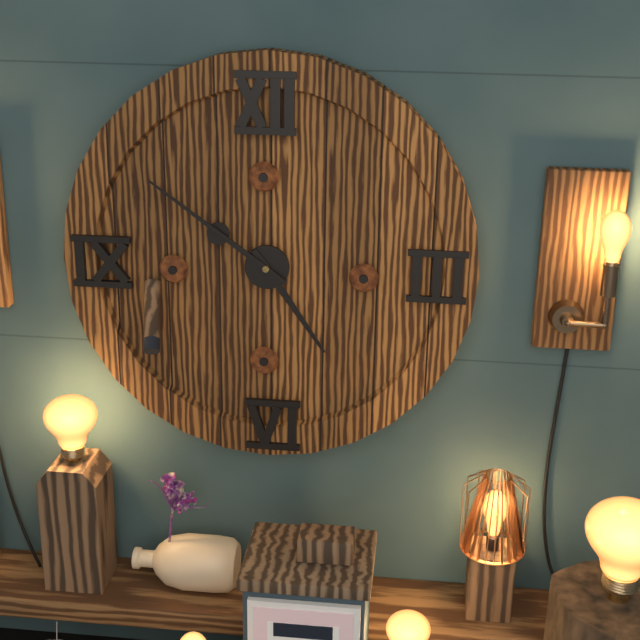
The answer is 4:51
